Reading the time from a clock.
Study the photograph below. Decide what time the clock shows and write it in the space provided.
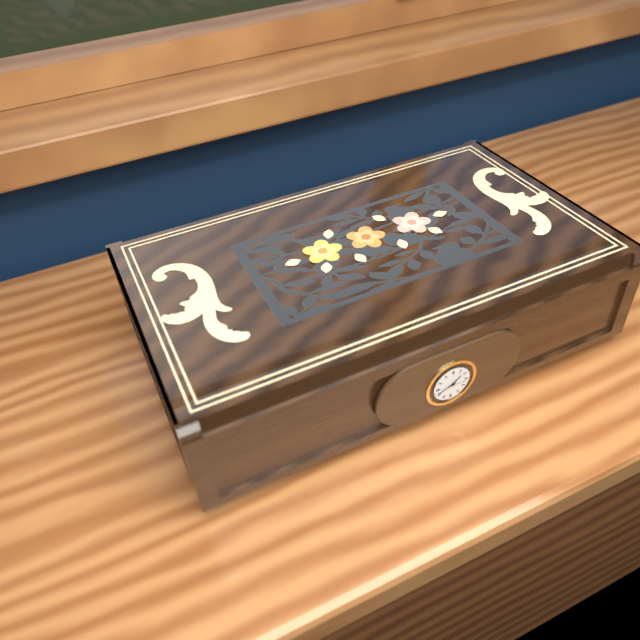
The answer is 1:42:16
